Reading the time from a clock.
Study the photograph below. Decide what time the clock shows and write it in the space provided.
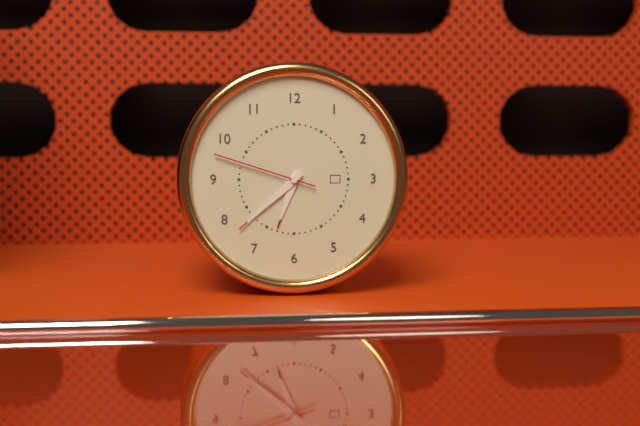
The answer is 6:38:48
